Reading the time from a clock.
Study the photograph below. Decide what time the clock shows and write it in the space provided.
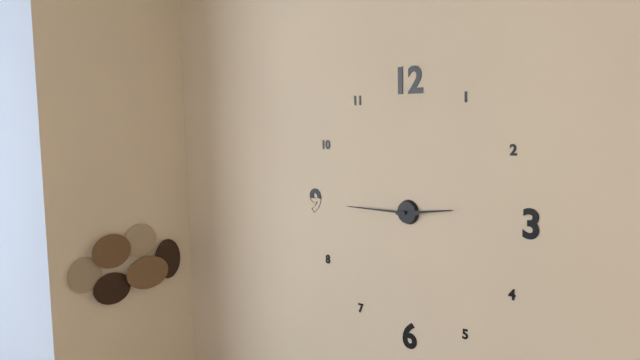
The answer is 2:45
